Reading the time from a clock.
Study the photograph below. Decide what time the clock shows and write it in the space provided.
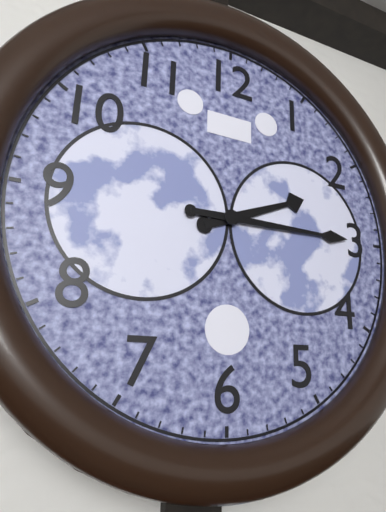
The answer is 2:15
